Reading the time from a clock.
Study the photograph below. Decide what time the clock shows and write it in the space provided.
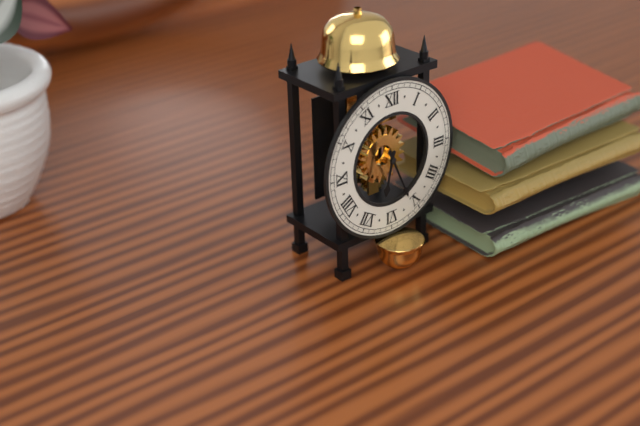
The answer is 6:26
